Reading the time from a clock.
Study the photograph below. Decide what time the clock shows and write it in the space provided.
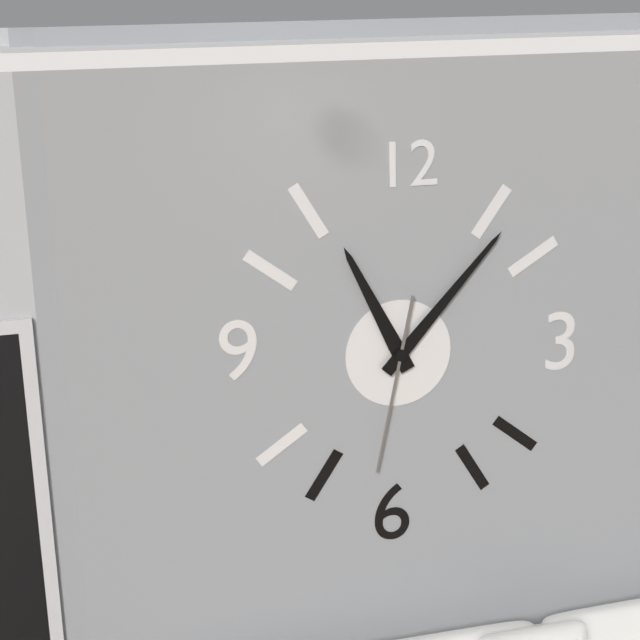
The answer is 11:07:32
